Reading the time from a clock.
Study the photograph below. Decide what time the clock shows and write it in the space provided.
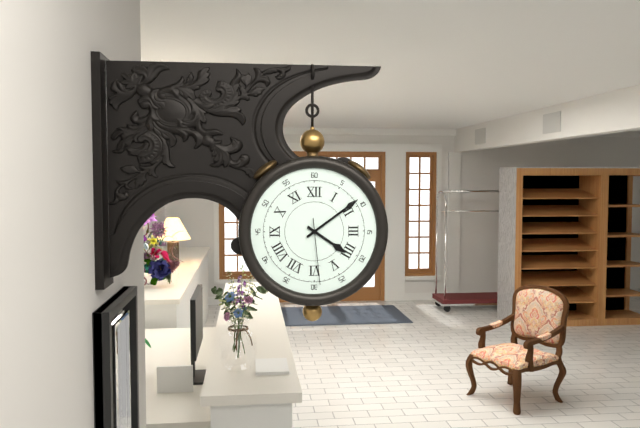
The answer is 4:09:29
